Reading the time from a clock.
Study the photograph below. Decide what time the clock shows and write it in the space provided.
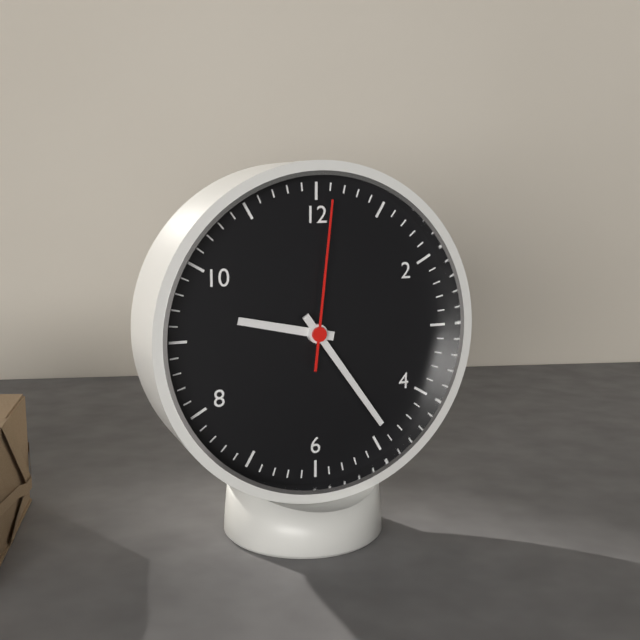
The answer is 9:24:01
